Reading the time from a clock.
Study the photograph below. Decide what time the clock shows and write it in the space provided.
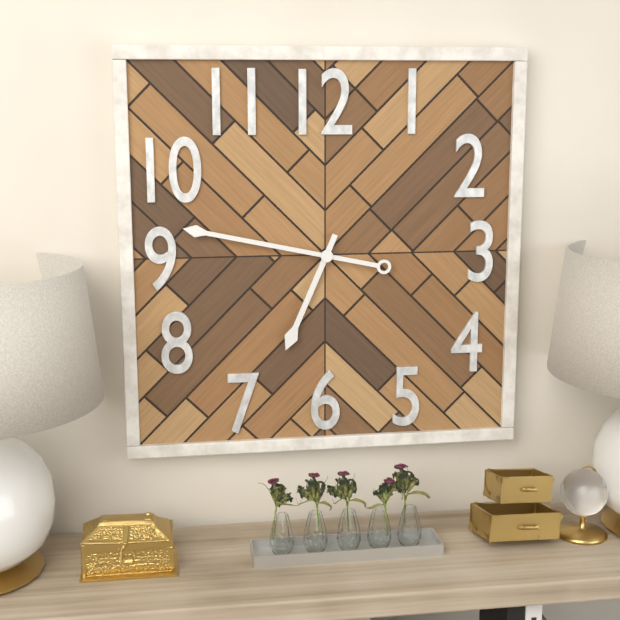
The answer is 6:47
